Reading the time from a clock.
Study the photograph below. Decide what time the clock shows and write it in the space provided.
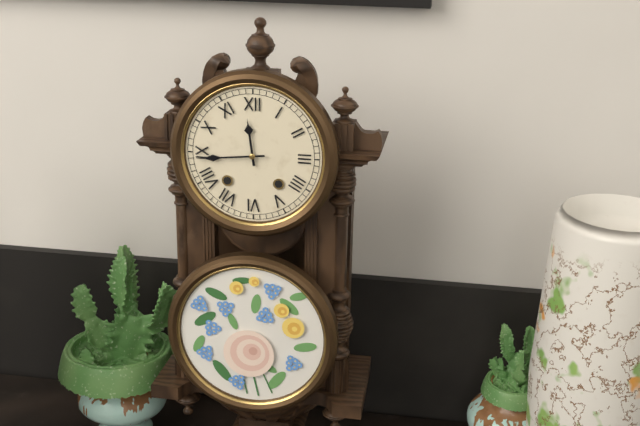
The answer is 11:44
